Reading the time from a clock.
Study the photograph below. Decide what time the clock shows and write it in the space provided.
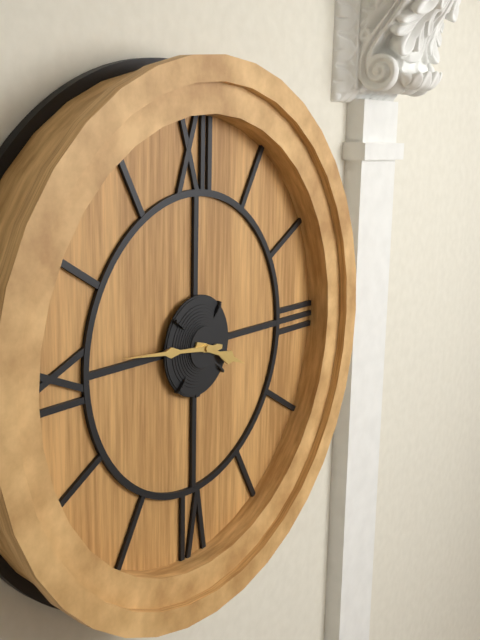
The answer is 3:46
